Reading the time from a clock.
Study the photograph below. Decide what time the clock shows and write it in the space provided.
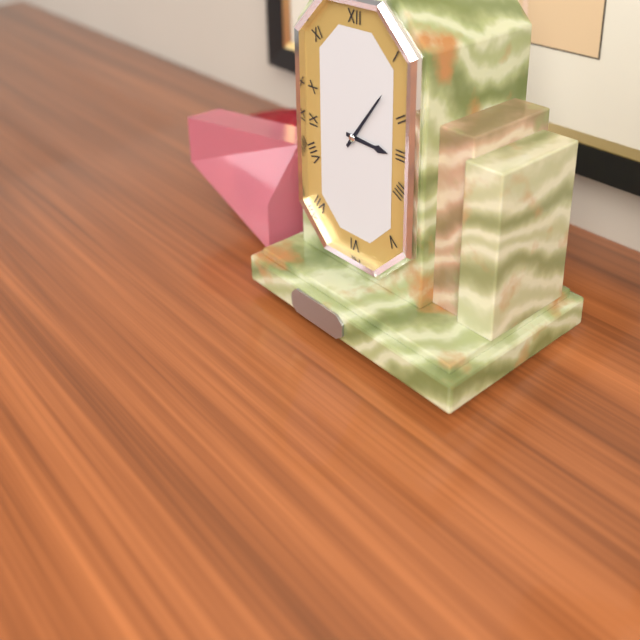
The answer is 3:06
